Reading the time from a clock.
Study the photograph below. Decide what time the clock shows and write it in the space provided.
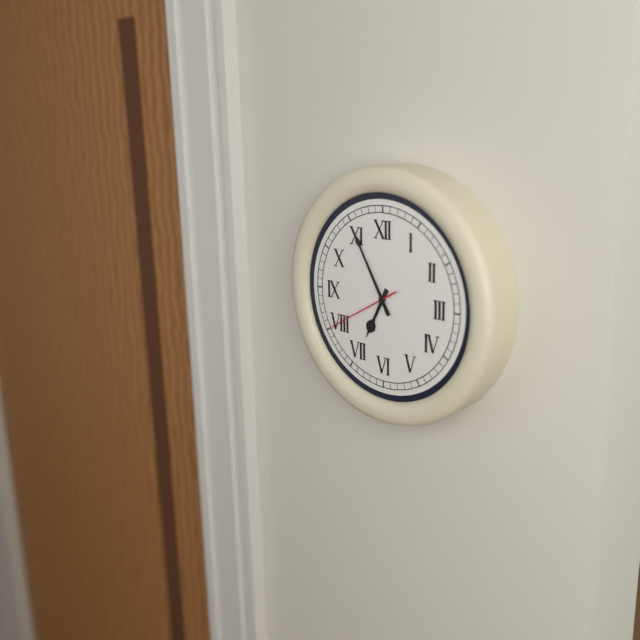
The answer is 6:55:40
